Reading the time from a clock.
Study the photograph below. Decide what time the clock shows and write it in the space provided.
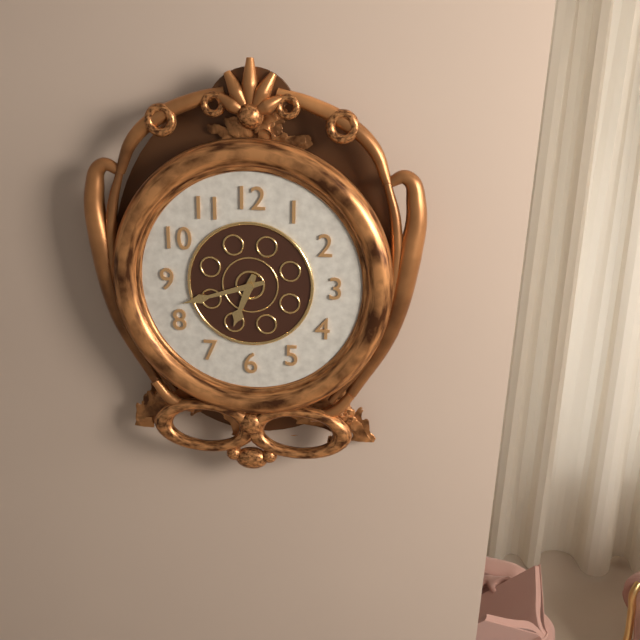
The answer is 6:42
